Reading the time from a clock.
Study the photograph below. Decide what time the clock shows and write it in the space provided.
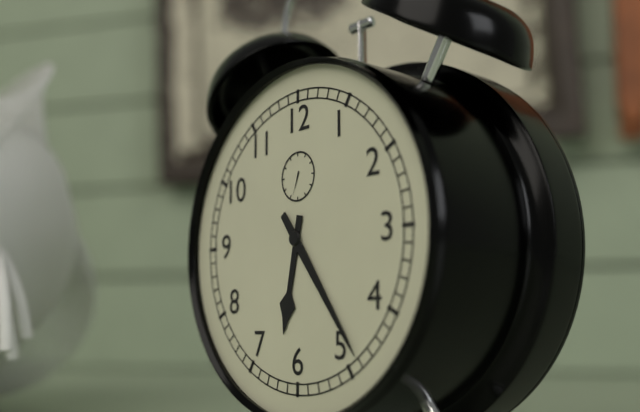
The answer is 6:24
